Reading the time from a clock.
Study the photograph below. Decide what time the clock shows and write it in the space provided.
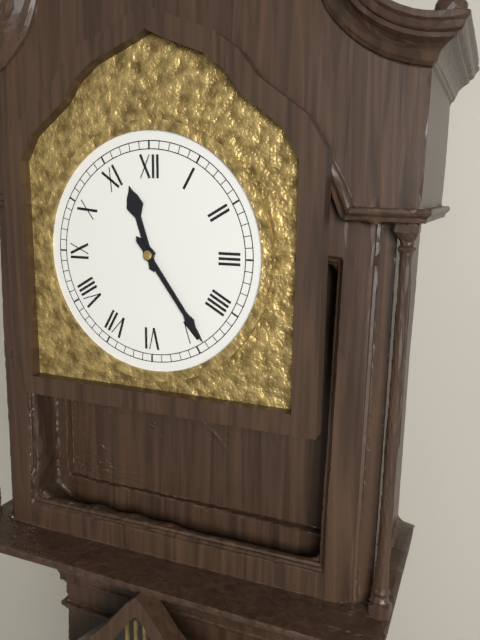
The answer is 11:24
